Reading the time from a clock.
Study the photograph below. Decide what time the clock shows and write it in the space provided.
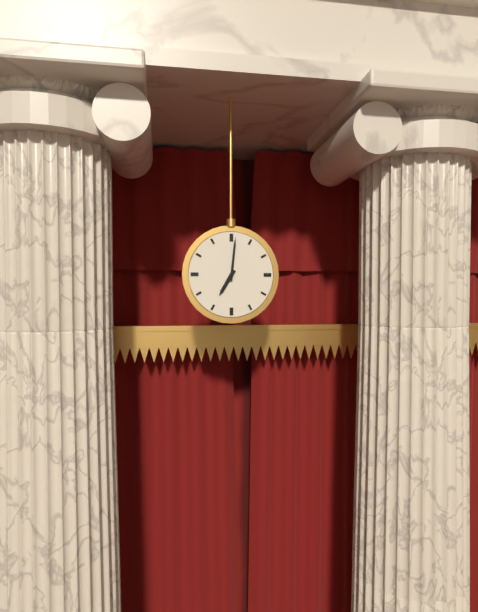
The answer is 7:01
